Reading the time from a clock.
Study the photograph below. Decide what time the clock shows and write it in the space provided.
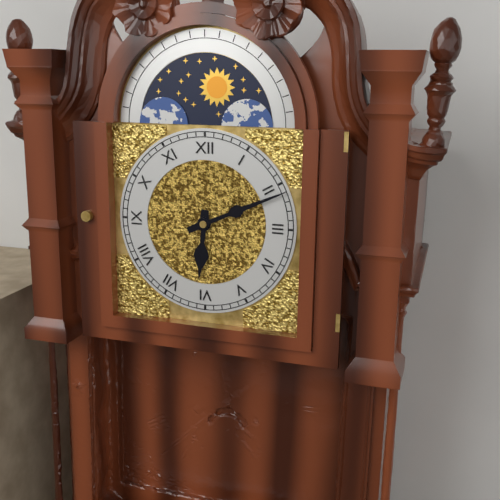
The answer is 6:11
